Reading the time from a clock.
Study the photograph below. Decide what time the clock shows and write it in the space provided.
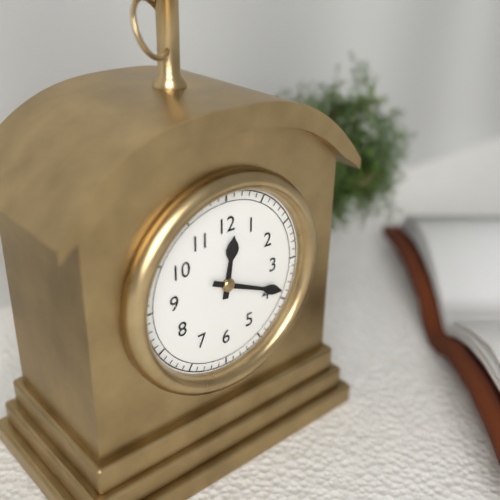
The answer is 12:19
